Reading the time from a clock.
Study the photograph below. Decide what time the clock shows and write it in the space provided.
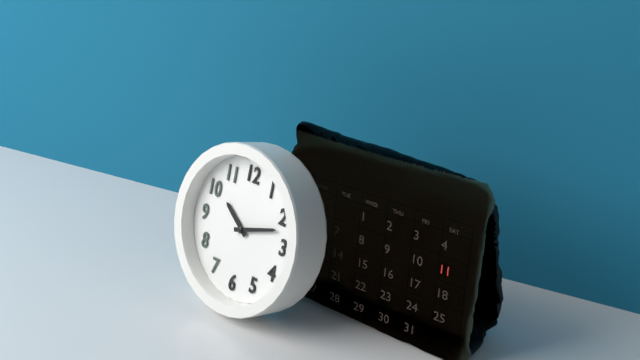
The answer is 10:12
